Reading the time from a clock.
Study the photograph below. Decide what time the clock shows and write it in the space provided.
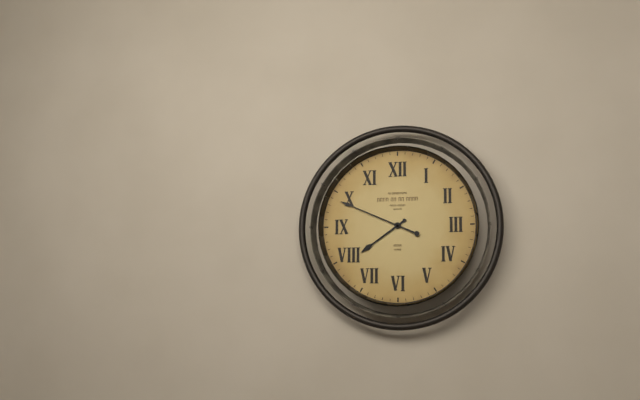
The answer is 7:49
